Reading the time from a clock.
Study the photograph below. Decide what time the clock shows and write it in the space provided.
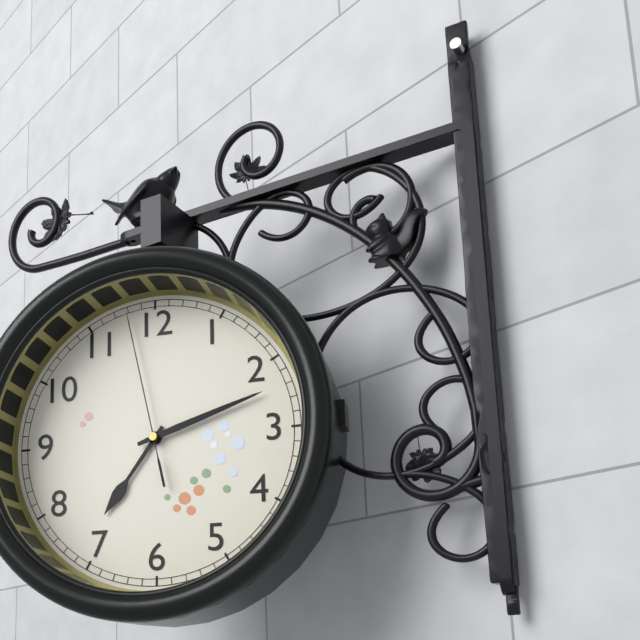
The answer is 7:12:58
